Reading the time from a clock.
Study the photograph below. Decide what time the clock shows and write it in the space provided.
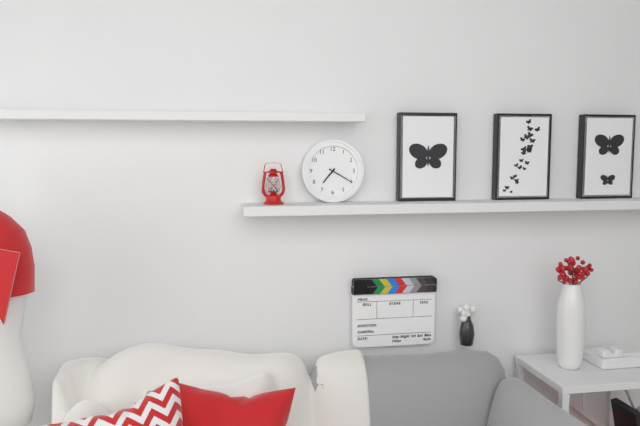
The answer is 7:20
